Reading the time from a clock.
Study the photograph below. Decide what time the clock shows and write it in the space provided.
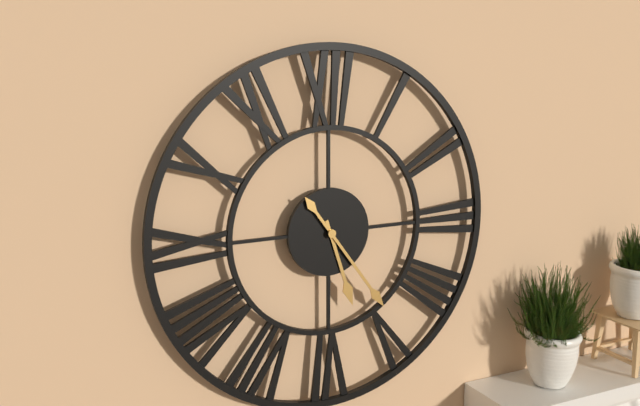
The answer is 5:24
